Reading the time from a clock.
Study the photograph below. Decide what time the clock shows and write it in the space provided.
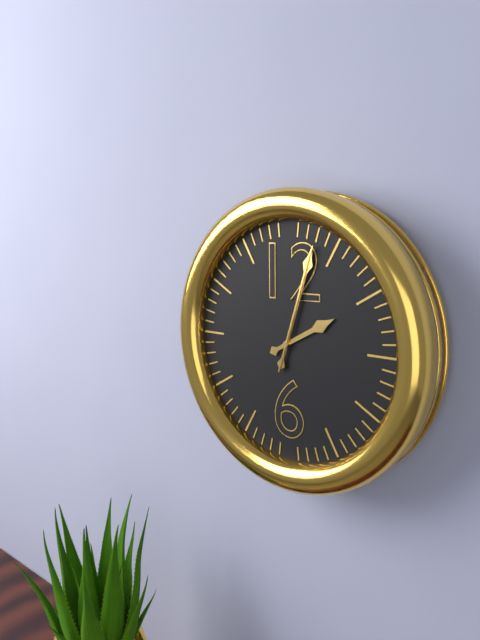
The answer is 2:03:03
